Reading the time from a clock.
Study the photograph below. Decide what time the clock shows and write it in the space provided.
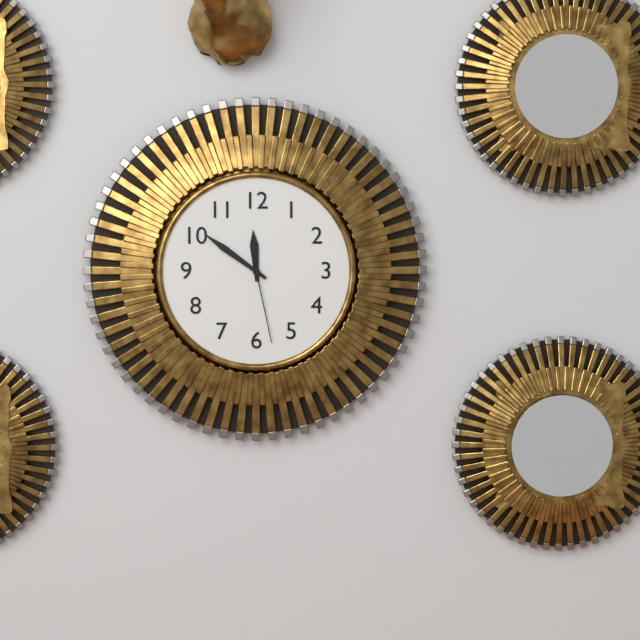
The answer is 11:51:28
